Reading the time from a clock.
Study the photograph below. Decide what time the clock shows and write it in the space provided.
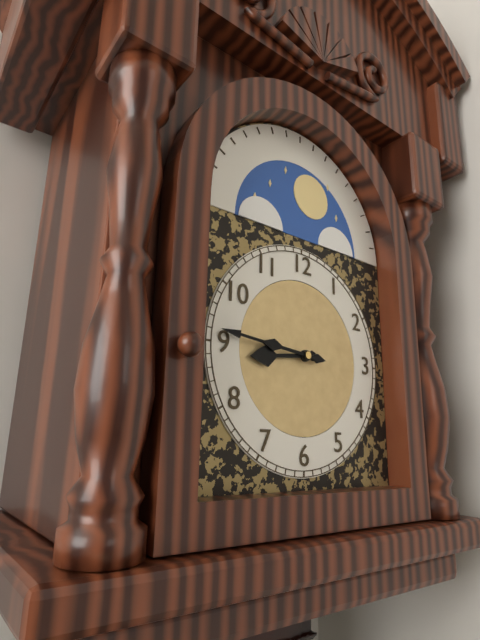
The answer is 8:46
